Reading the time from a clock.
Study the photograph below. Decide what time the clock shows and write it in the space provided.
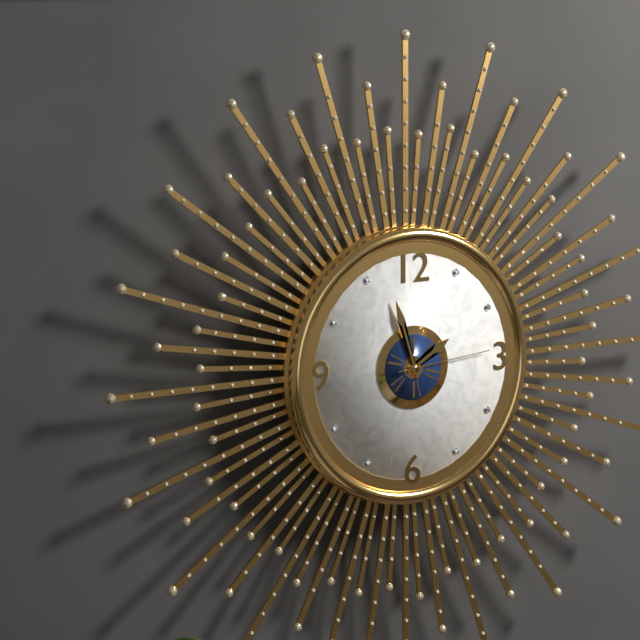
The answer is 1:57:14
